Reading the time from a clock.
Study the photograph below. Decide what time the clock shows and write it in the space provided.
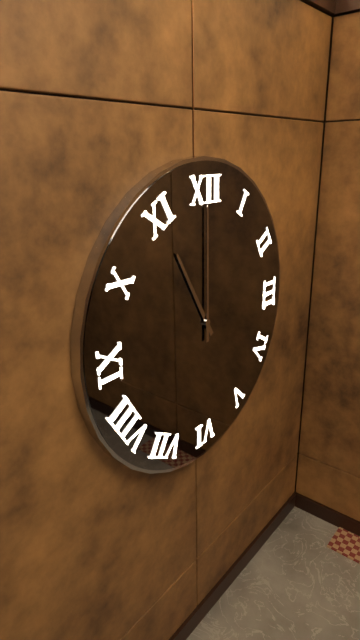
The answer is 11:00
